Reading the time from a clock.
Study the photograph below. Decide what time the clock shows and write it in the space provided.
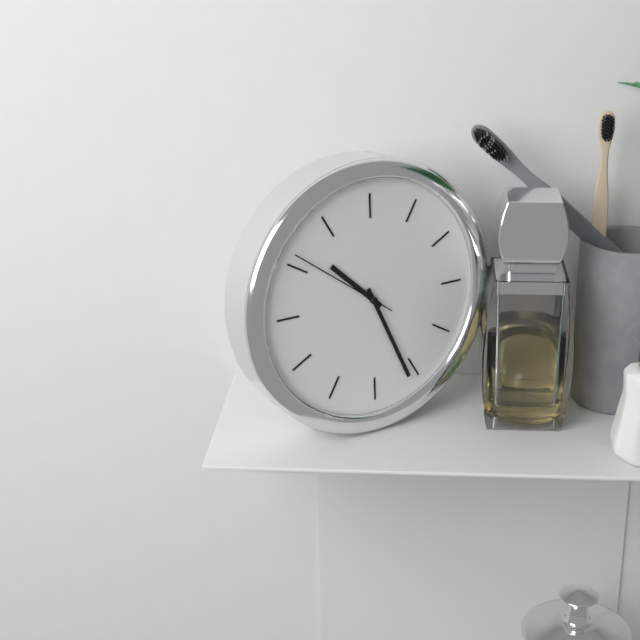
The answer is 10:26:51
